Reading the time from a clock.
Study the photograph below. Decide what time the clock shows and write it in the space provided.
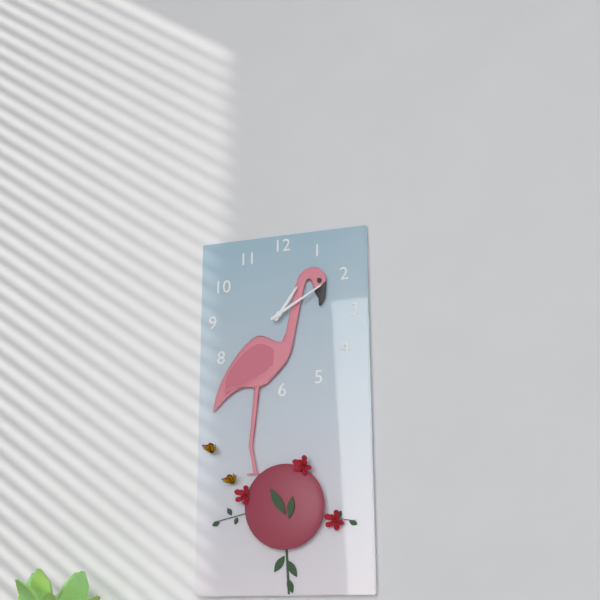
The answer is 1:10
